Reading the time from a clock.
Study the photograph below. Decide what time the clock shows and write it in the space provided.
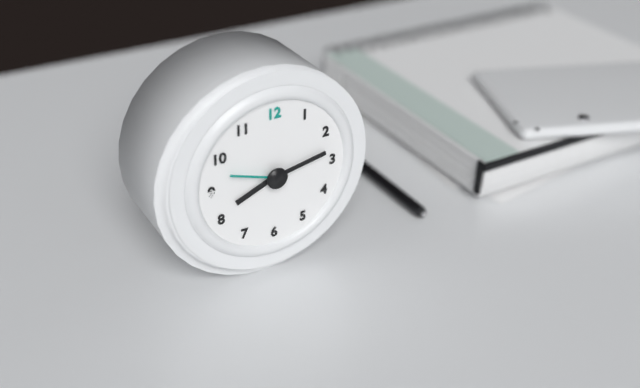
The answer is 8:13:48
